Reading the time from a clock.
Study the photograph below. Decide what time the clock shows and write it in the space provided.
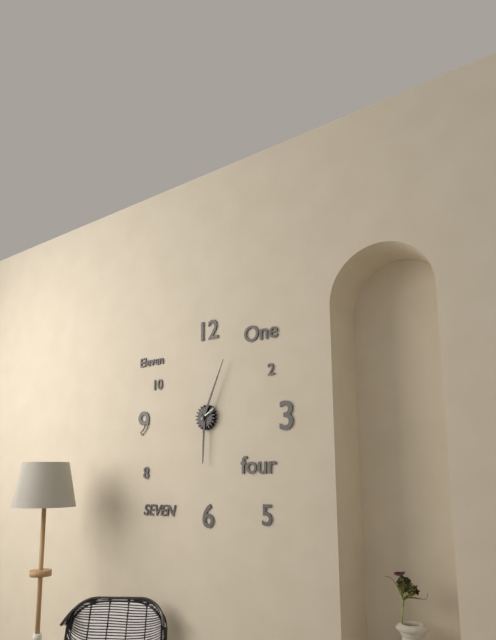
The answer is 6:04
